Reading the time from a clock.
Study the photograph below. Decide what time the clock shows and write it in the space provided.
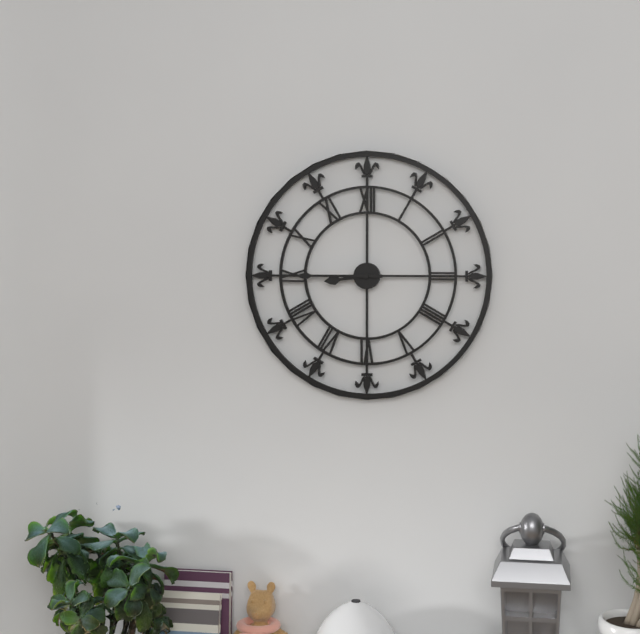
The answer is 8:45
